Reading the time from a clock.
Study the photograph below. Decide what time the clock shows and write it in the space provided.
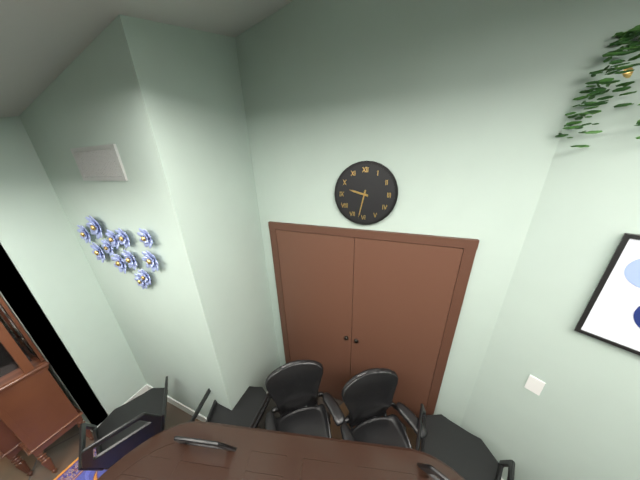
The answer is 9:32
